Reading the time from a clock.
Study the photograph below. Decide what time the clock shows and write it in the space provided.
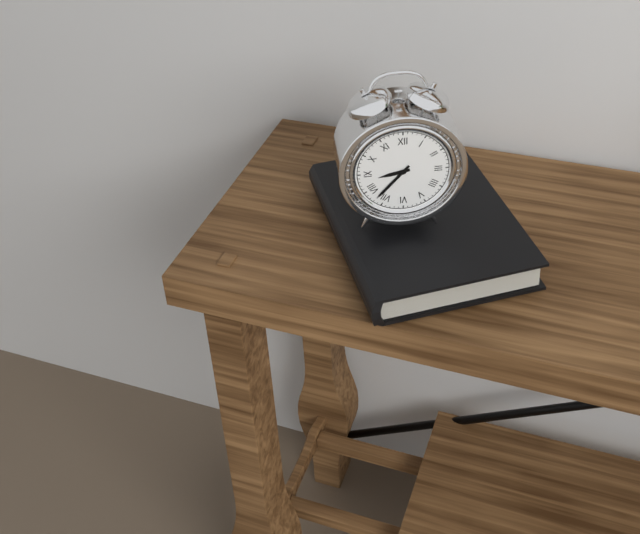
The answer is 8:37
